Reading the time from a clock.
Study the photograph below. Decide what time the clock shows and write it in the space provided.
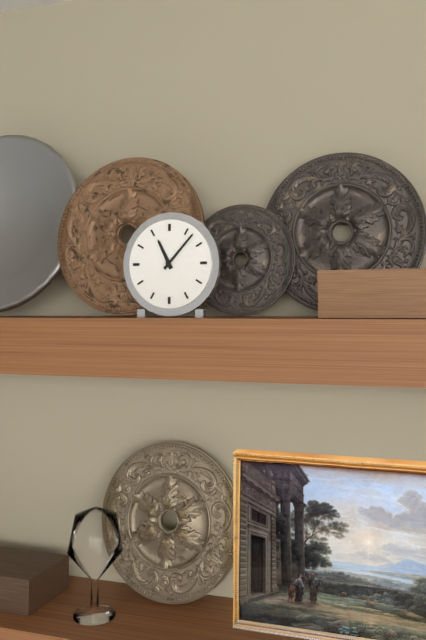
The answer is 11:07
